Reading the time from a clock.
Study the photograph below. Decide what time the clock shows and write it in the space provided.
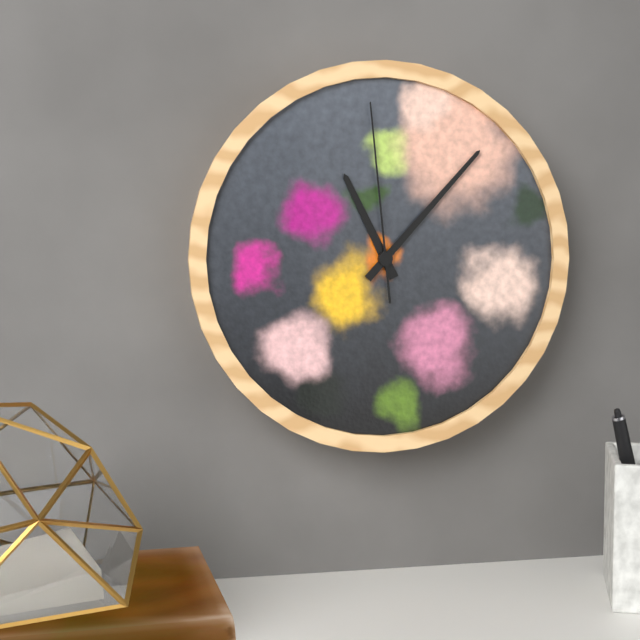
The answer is 11:07:59
